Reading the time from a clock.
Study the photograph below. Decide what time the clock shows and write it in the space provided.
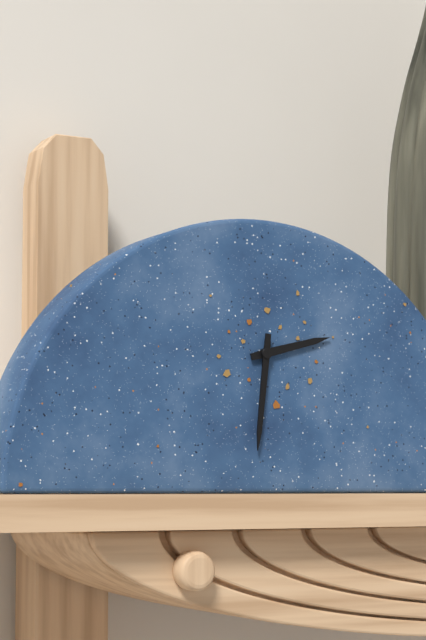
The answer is 2:31
